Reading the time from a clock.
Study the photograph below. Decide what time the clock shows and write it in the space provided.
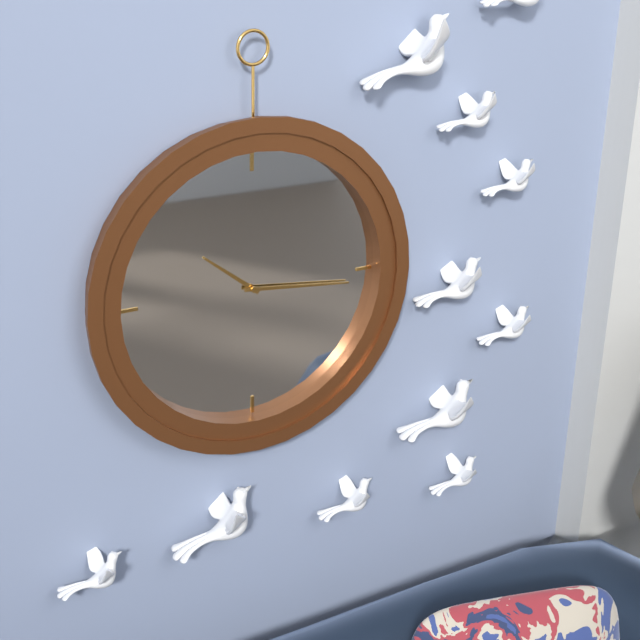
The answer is 10:16
